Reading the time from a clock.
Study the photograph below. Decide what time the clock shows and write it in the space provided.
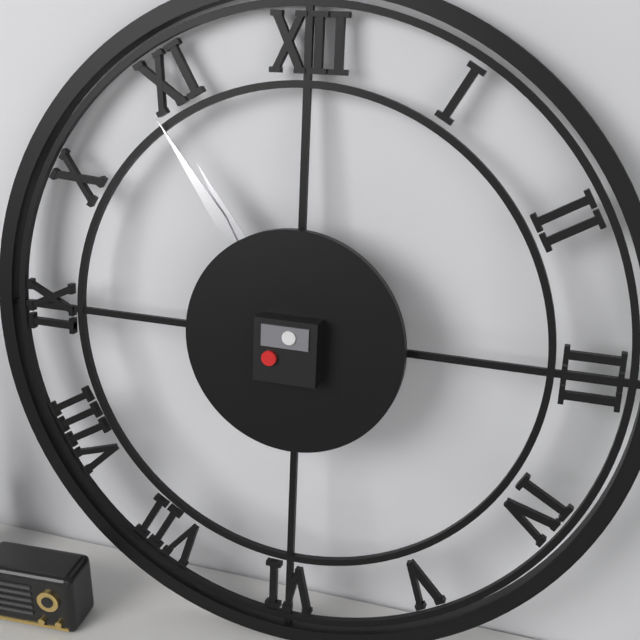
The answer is 10:54
